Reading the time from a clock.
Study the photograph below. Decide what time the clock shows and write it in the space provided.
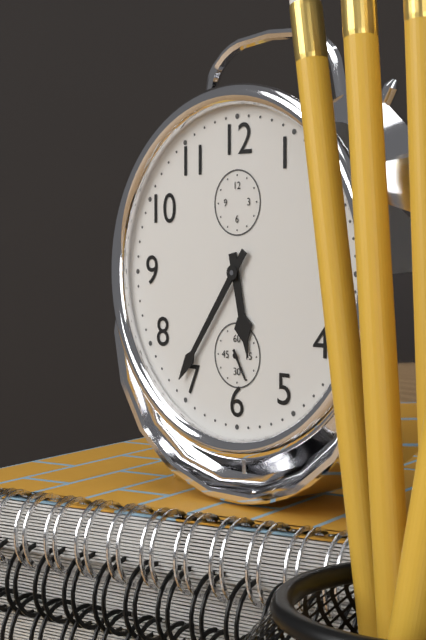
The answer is 5:36
